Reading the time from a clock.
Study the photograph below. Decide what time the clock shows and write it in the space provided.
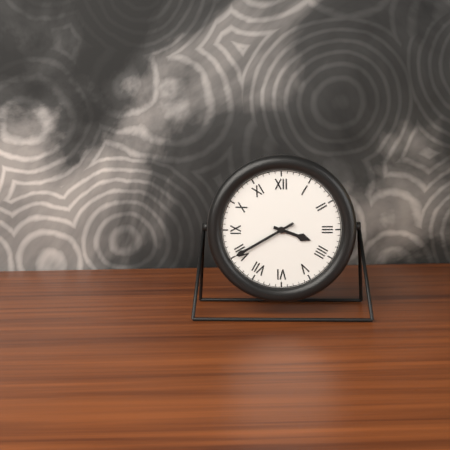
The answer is 3:40
